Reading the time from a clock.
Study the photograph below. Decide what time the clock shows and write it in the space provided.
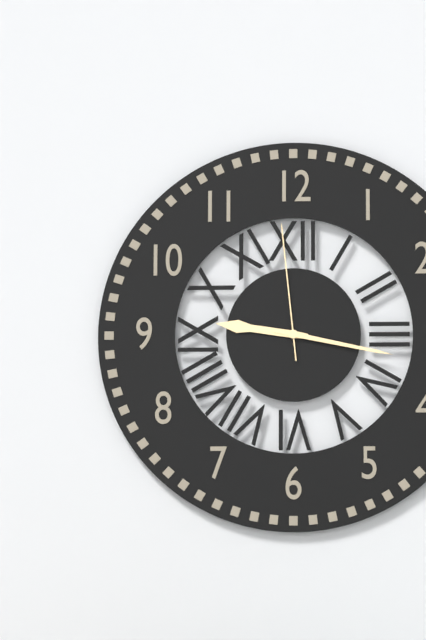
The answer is 9:17:59
